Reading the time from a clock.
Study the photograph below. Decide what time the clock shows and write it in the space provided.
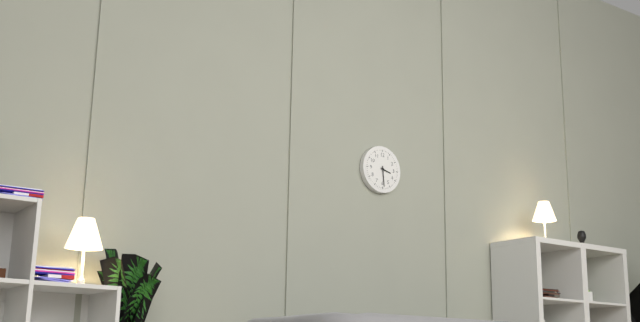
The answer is 3:29
